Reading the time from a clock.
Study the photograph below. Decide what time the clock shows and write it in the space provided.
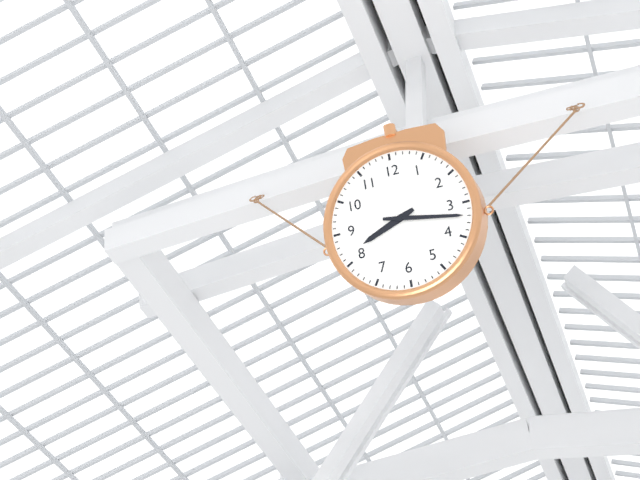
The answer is 8:17
